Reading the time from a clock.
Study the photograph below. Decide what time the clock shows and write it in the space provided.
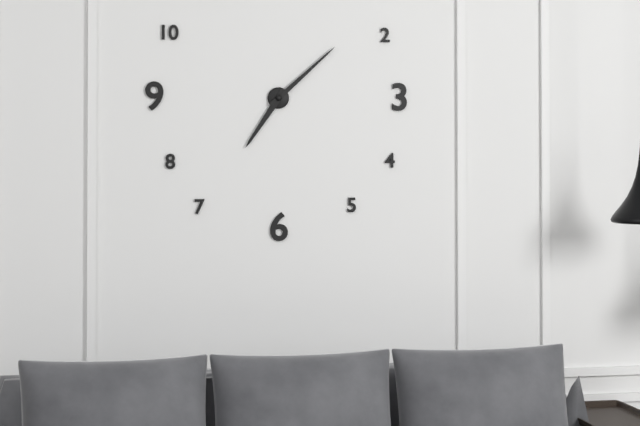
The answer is 7:08
